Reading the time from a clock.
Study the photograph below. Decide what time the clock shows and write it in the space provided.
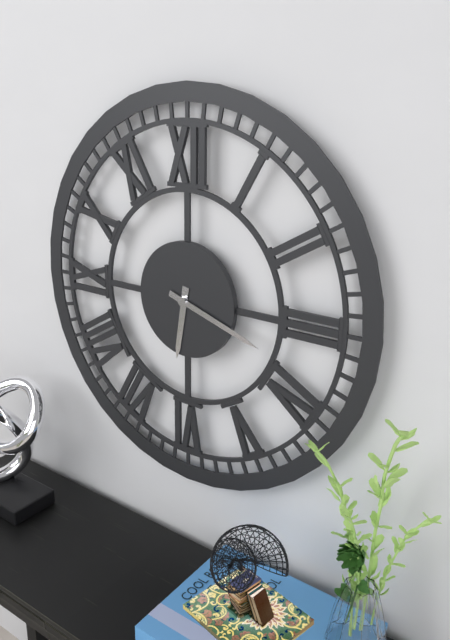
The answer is 6:18
